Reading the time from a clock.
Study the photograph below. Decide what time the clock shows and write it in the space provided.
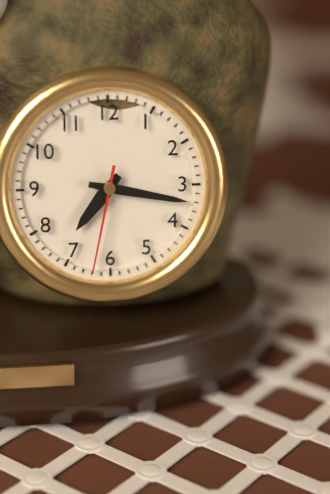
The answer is 7:17:32
